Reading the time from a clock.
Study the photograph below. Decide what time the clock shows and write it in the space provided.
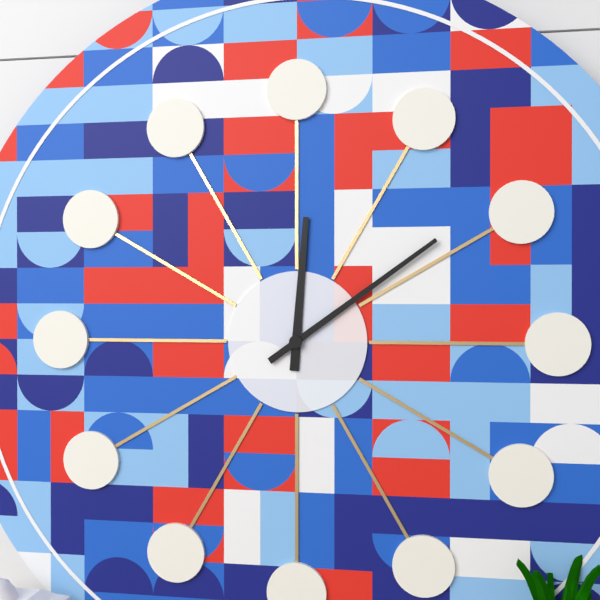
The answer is 12:09
